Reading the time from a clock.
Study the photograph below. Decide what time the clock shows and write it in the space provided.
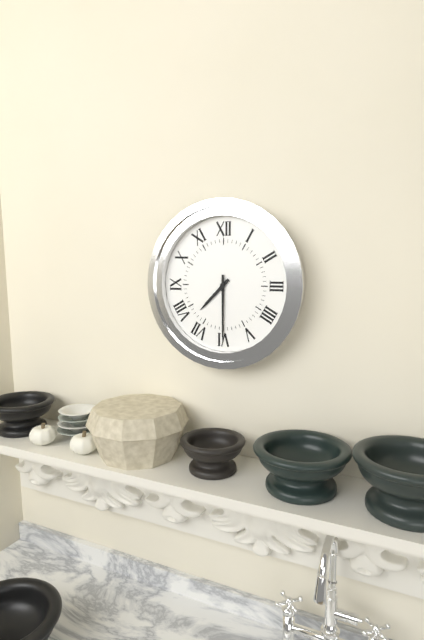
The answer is 7:30
